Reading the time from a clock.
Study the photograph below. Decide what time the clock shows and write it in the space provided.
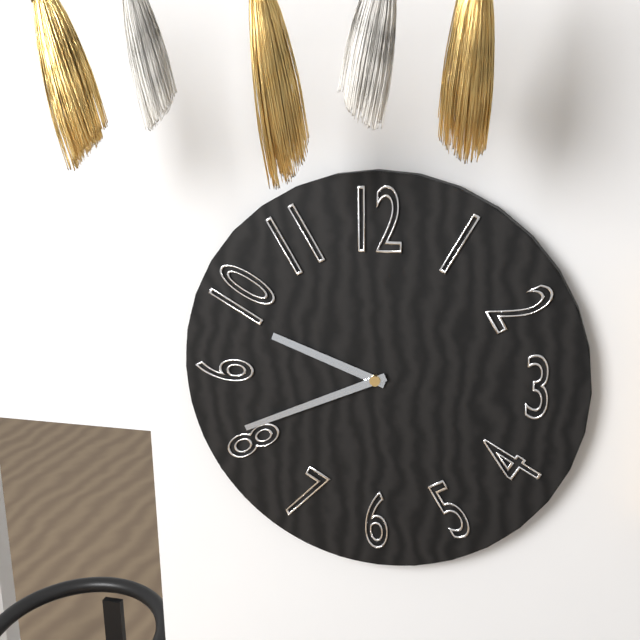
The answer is 9:41
